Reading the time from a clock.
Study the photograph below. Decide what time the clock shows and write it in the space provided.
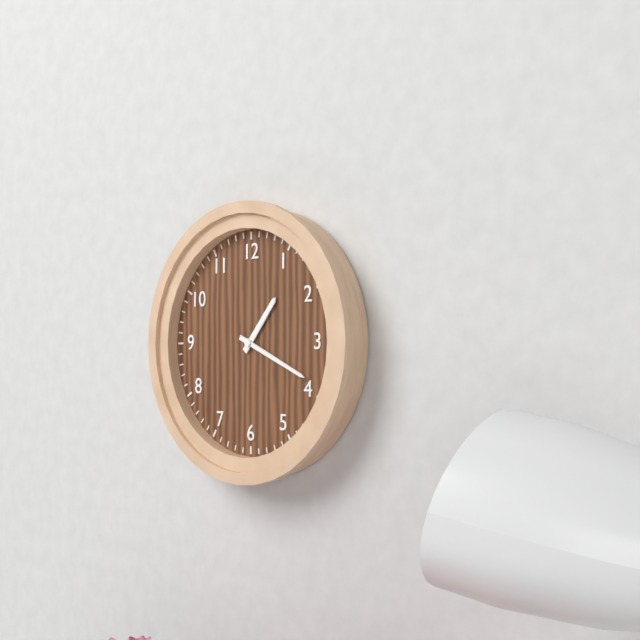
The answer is 1:19
